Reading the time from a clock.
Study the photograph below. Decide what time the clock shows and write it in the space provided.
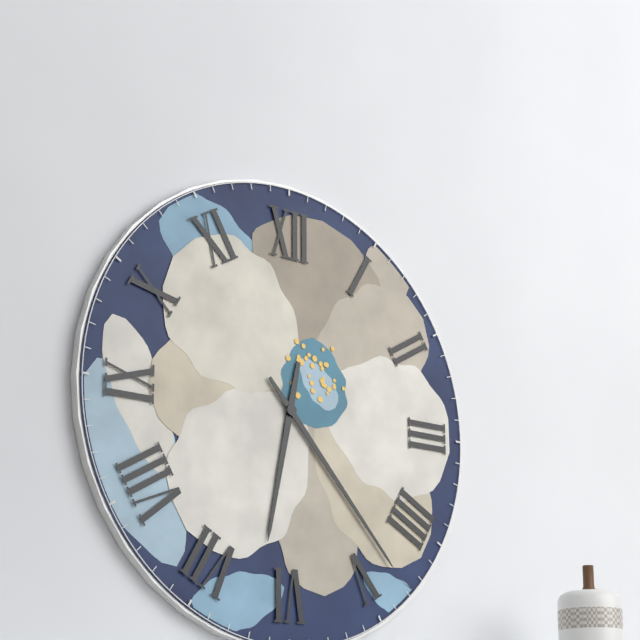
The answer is 6:23
